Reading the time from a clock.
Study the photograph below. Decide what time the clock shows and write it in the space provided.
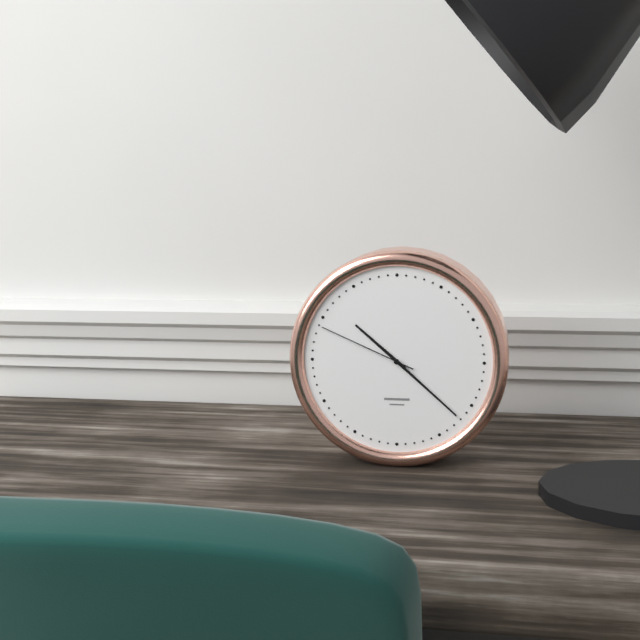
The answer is 10:22:49
